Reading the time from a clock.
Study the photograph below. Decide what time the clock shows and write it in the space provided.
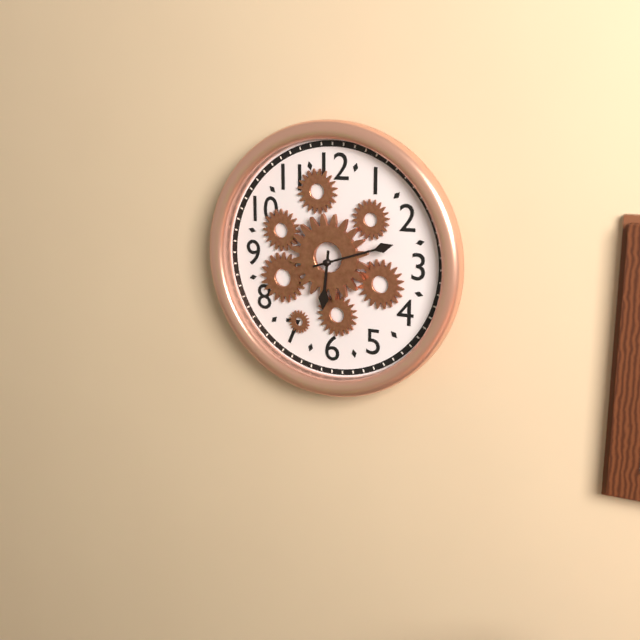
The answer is 6:12
